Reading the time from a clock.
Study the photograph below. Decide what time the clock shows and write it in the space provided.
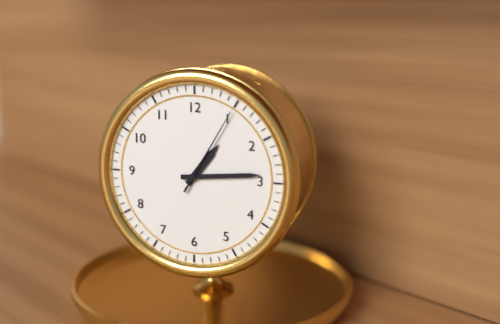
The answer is 1:14:05
